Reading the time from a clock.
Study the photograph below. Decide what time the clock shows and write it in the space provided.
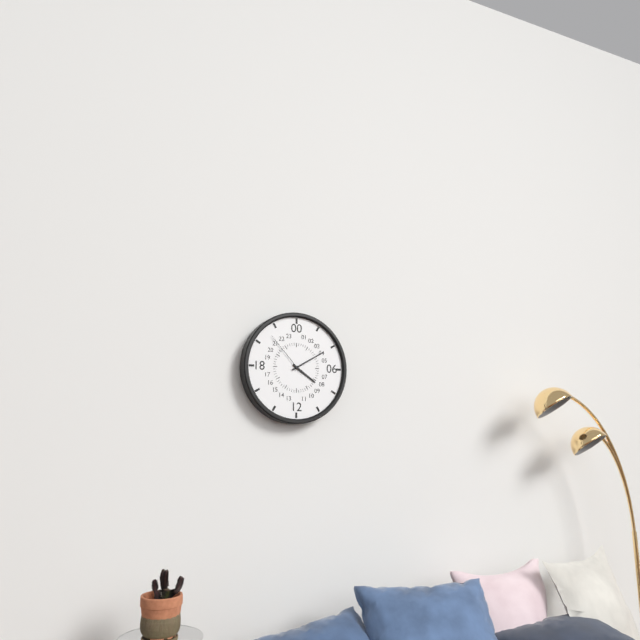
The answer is 4:10:53
